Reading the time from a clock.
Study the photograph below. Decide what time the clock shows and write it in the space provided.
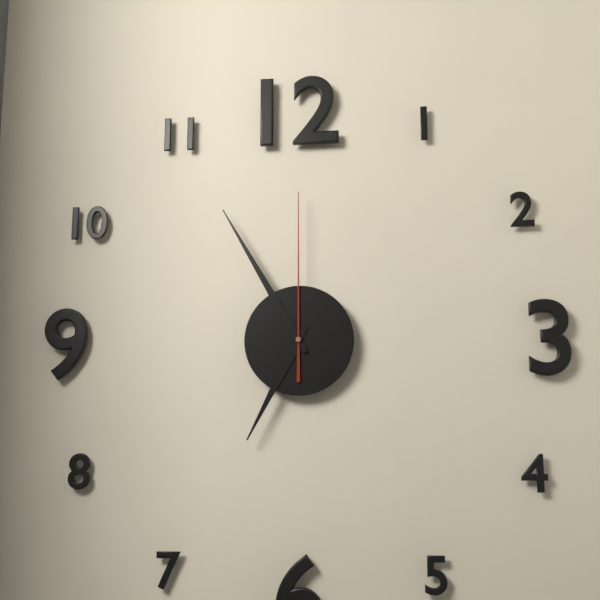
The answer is 6:55:00
